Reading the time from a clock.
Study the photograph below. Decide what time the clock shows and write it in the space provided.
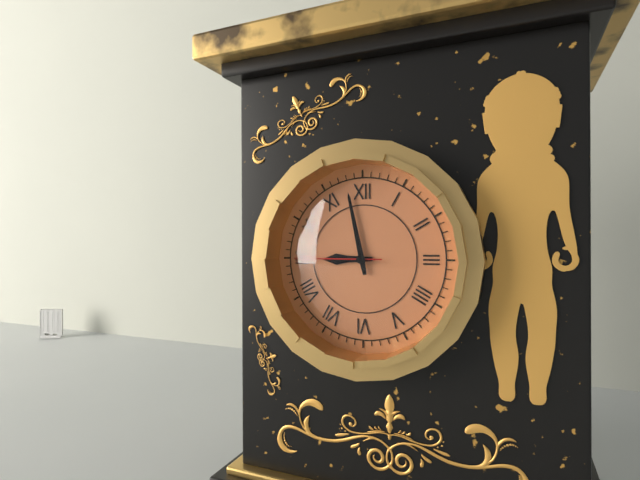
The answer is 8:58:45
